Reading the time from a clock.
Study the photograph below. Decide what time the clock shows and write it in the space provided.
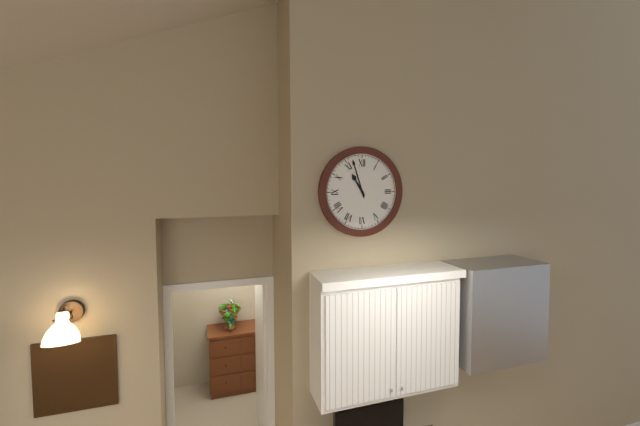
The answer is 10:57
